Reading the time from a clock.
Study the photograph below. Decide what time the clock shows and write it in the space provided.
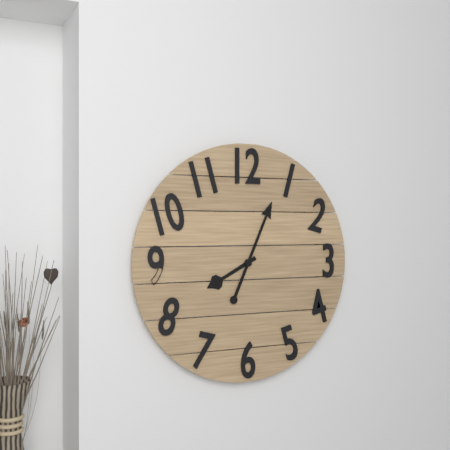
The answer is 8:04
